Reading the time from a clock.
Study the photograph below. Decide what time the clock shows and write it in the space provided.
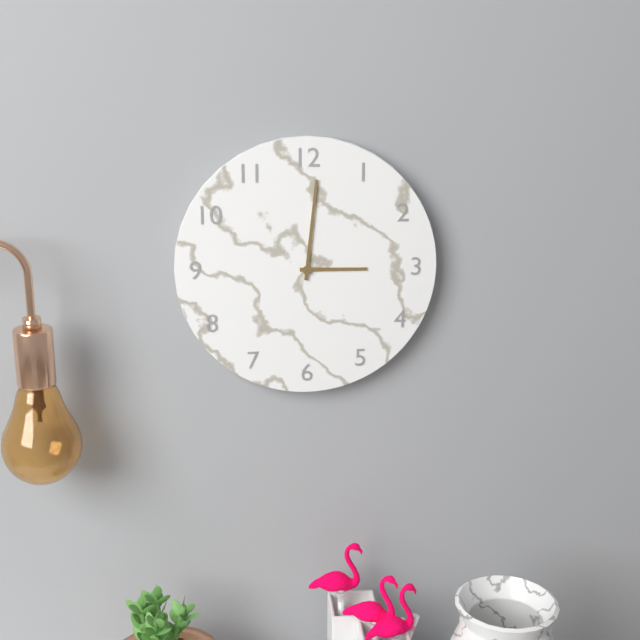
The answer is 3:01
